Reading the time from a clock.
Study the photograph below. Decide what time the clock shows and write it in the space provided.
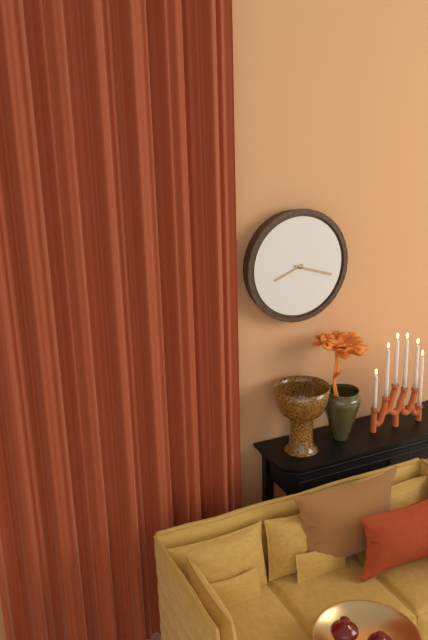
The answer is 8:18
